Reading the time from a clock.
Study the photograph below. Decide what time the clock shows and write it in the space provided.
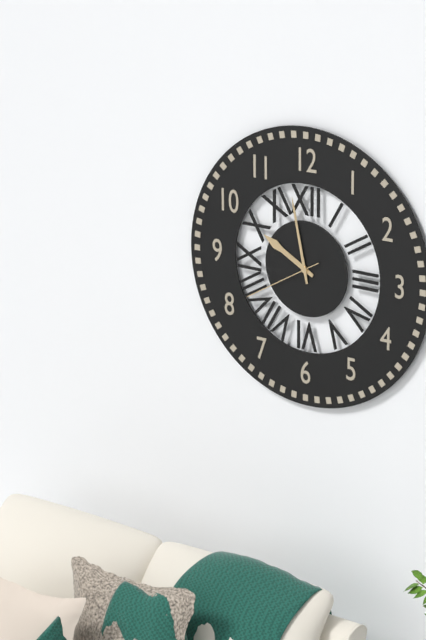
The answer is 9:58:40
